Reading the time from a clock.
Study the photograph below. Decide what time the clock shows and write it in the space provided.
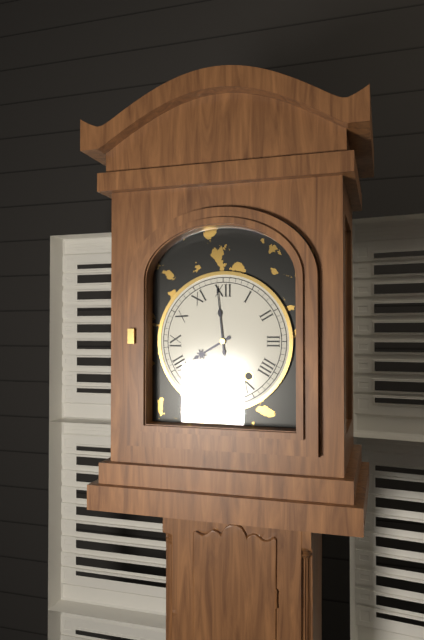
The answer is 7:59
